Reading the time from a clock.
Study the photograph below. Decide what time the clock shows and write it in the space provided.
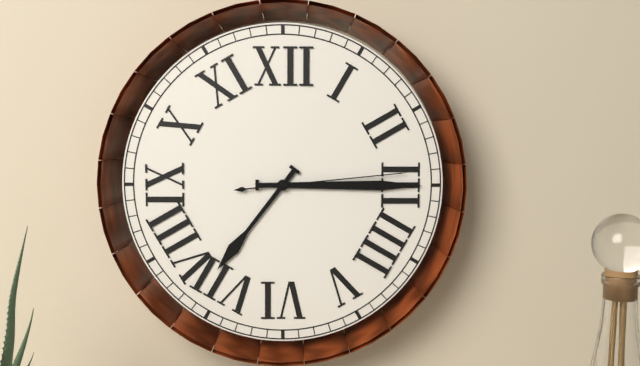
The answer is 7:15:14
